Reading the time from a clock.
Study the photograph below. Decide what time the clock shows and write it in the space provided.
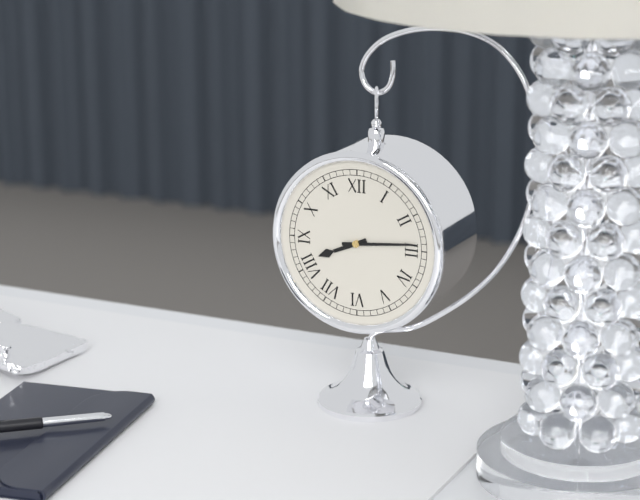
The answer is 8:14
